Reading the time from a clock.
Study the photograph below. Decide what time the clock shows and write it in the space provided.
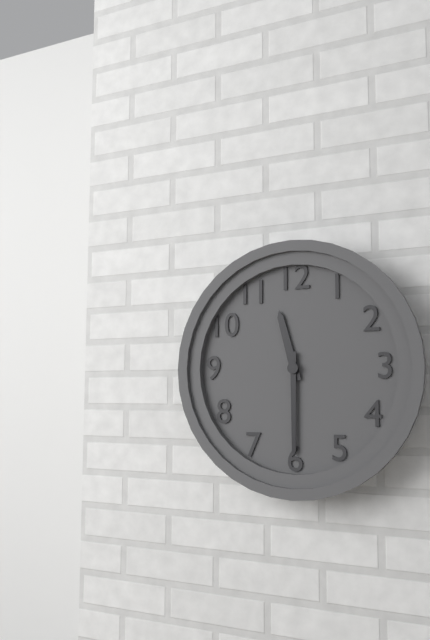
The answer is 11:30
